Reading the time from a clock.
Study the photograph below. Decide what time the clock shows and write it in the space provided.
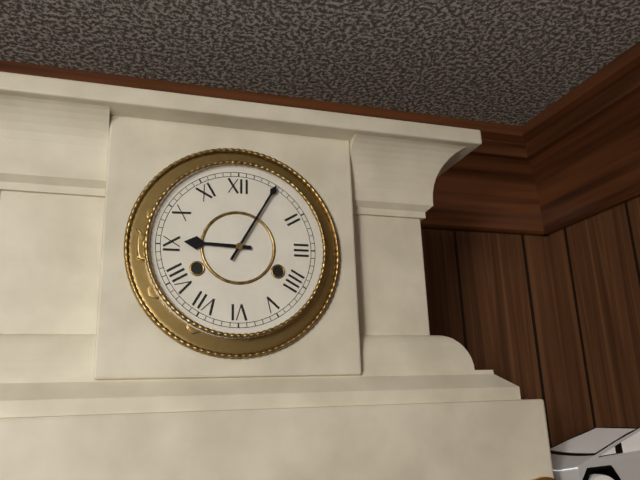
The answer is 9:05
